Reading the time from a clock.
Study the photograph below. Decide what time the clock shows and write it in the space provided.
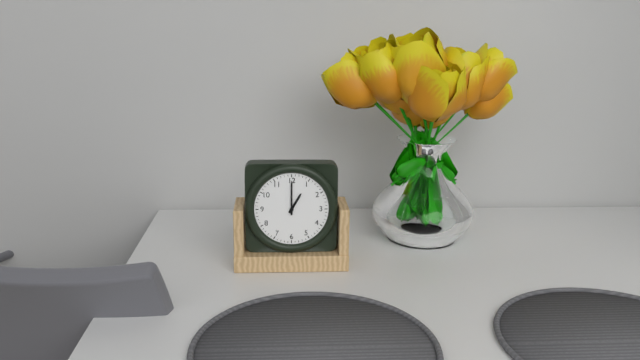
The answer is 1:00
